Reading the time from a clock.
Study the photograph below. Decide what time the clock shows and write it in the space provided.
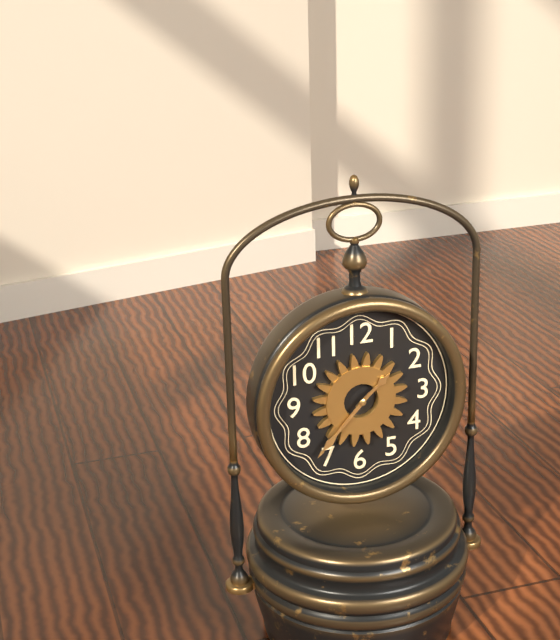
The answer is 1:37
